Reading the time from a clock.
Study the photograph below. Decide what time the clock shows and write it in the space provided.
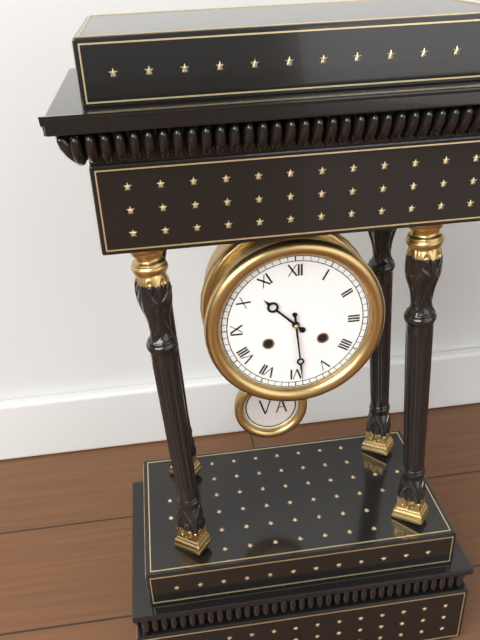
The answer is 10:29
